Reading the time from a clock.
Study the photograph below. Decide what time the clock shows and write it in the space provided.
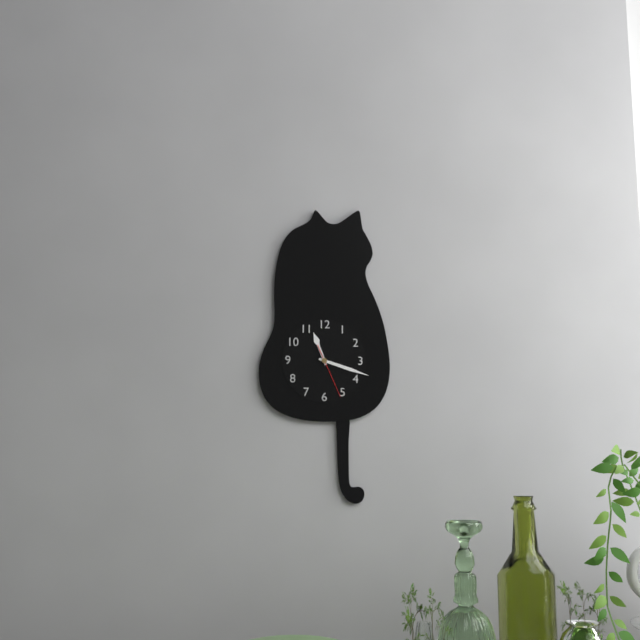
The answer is 11:18
